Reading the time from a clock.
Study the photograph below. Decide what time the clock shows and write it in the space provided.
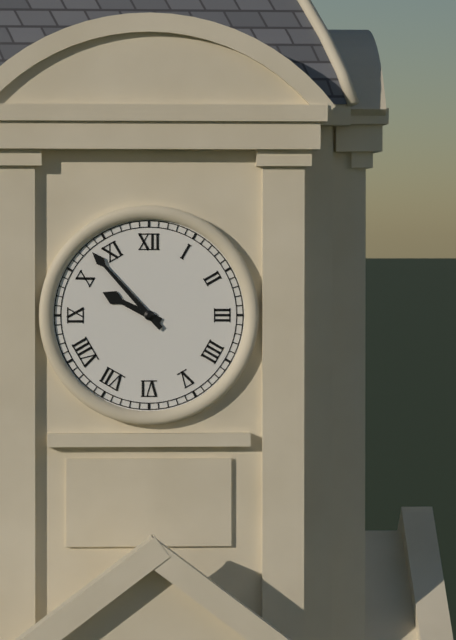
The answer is 9:53
